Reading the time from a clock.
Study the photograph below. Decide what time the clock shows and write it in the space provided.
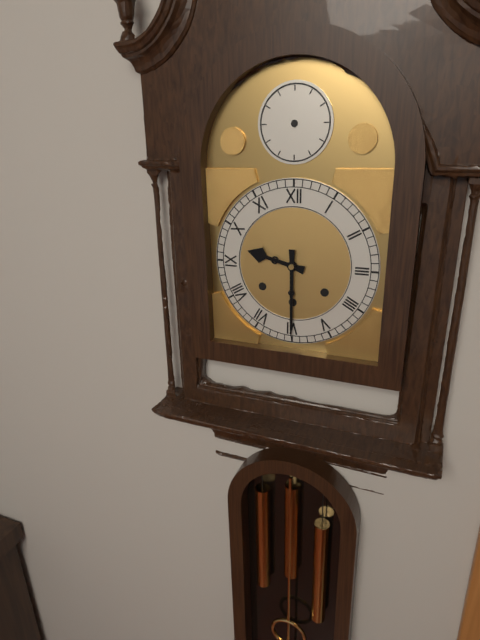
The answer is 9:30
